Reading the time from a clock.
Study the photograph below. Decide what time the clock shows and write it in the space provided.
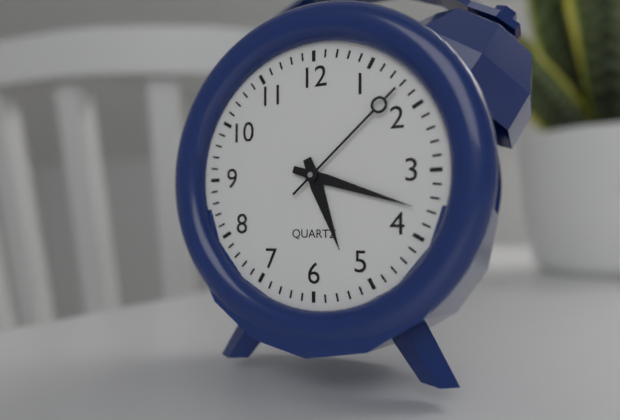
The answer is 5:18:08
